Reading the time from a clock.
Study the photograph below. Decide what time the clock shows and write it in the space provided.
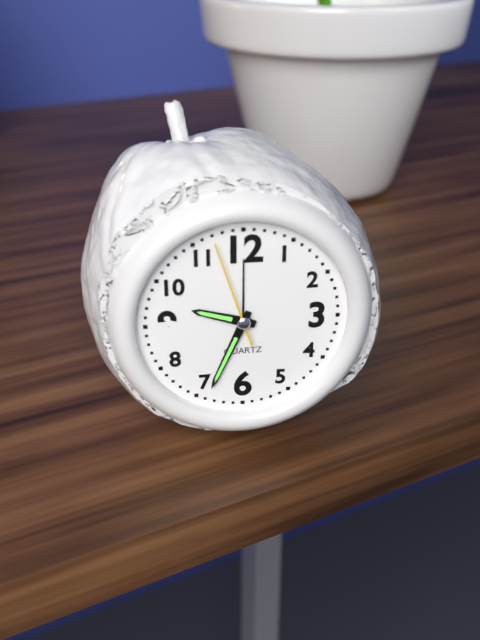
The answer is 9:34:57
